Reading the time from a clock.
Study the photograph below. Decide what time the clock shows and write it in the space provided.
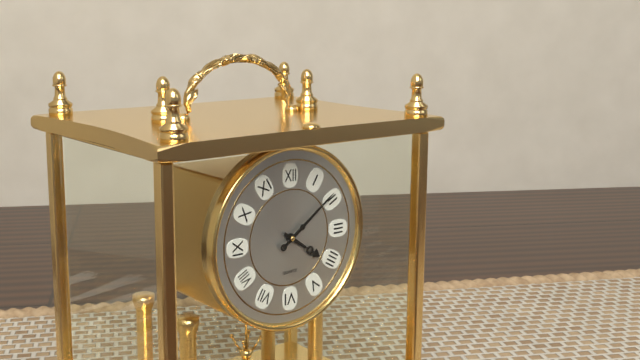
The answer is 4:09
